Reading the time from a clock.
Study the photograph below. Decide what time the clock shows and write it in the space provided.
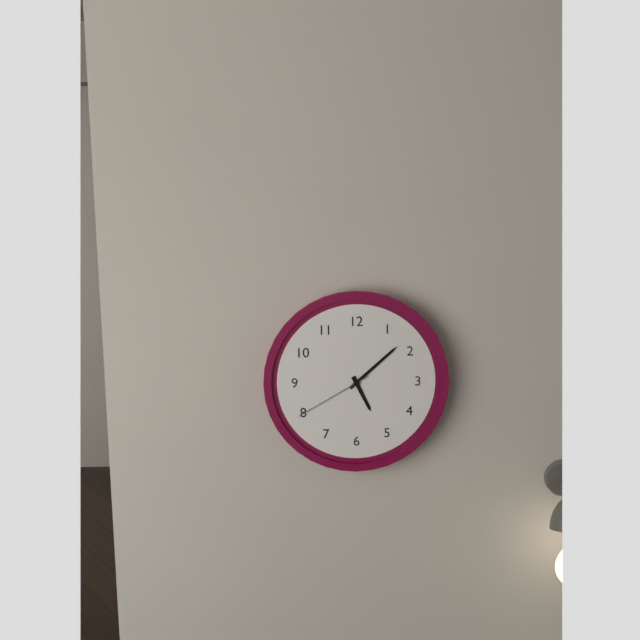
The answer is 5:08:40
